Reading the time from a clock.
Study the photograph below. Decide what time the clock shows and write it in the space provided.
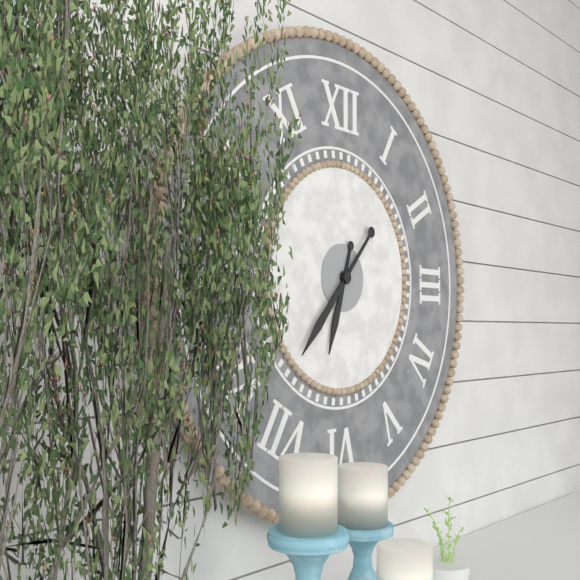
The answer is 6:37
